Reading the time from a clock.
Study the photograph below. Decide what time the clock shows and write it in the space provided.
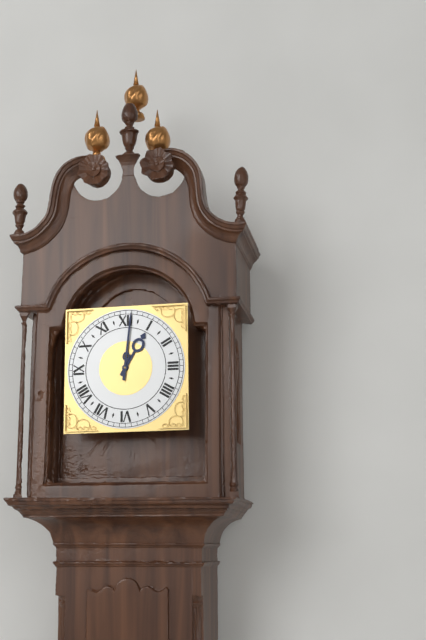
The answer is 1:01
